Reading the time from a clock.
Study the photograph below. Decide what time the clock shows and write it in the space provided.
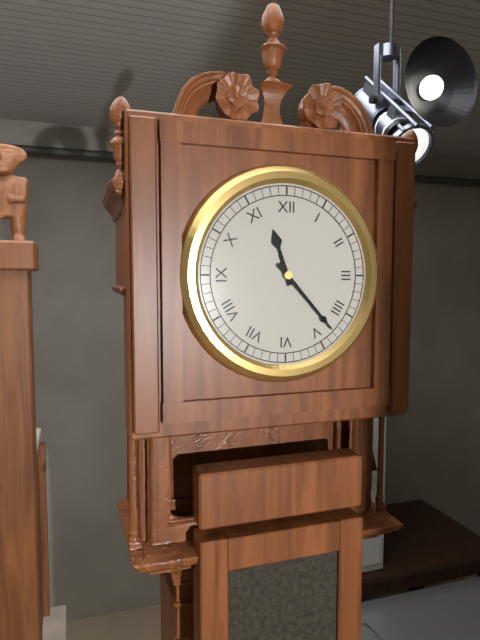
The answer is 11:23
